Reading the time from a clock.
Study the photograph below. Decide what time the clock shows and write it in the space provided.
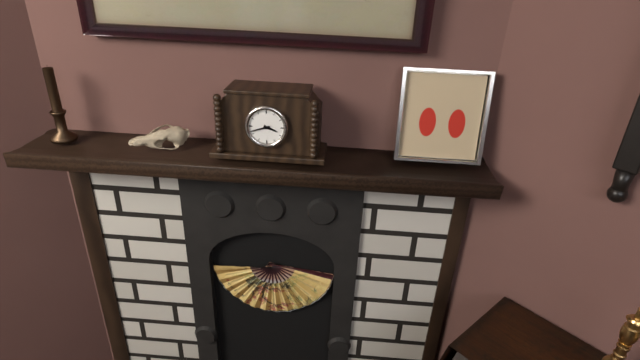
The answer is 3:42
